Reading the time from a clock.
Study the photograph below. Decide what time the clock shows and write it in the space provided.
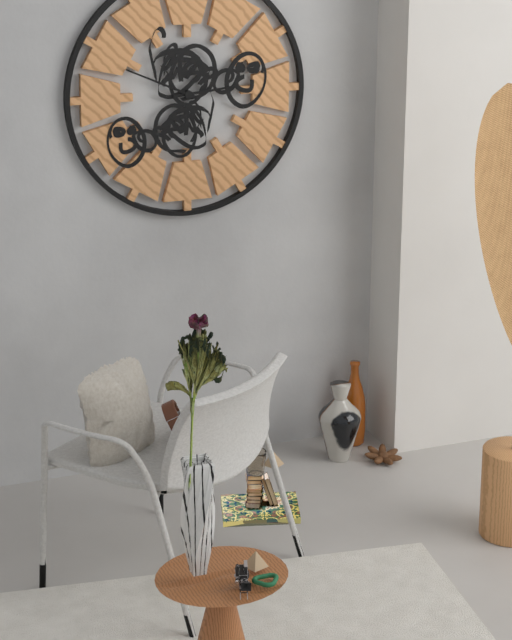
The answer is 2:49
